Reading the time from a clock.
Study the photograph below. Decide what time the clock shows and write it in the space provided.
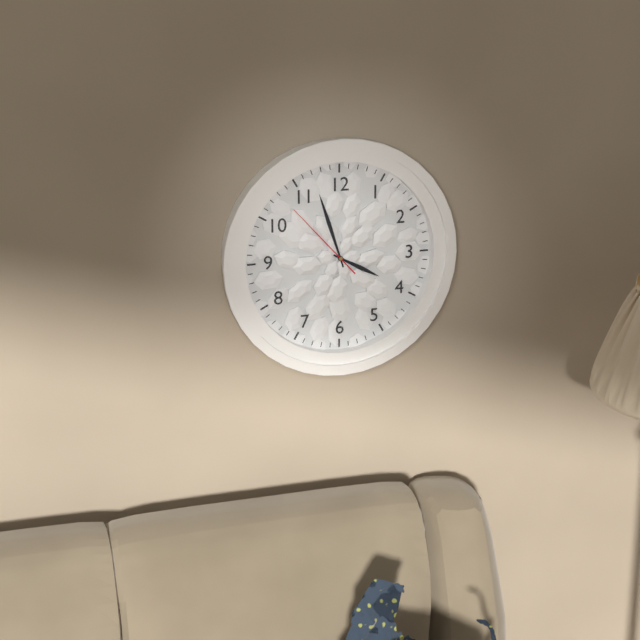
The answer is 3:57:53
